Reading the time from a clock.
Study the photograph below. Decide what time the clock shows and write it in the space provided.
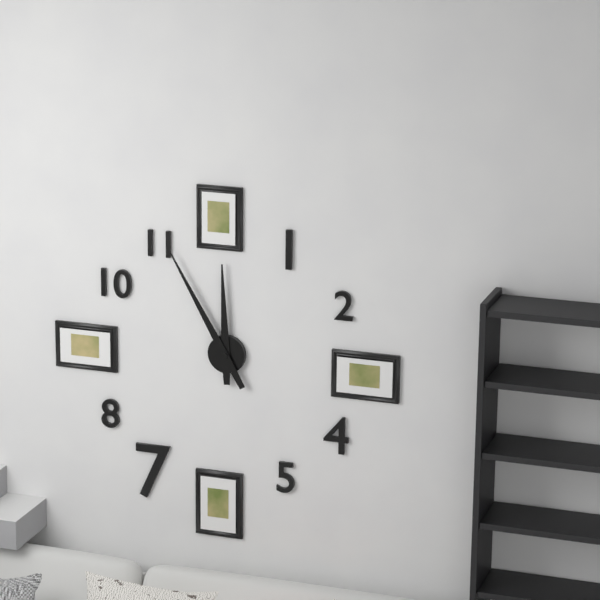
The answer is 11:55
